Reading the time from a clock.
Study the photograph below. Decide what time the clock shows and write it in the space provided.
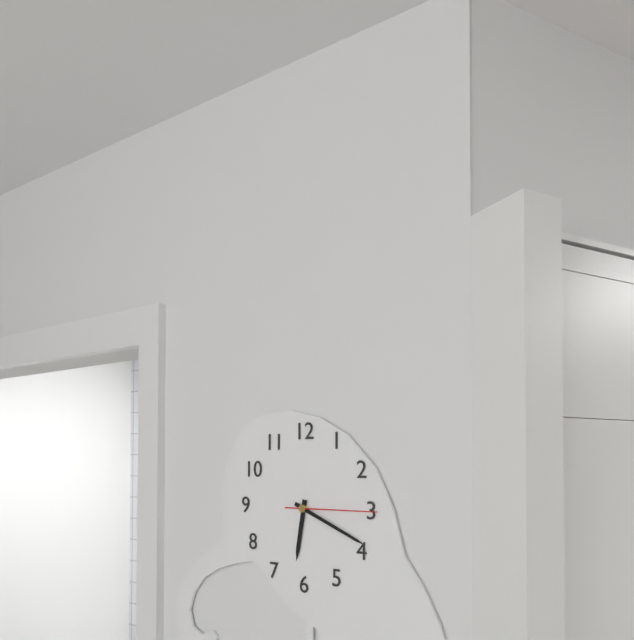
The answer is 6:19:15
